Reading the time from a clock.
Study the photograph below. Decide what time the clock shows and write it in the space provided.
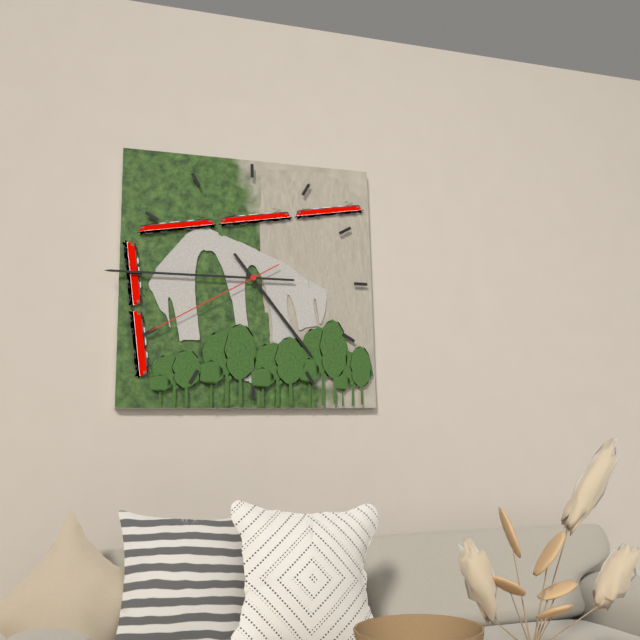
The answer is 4:45:40
